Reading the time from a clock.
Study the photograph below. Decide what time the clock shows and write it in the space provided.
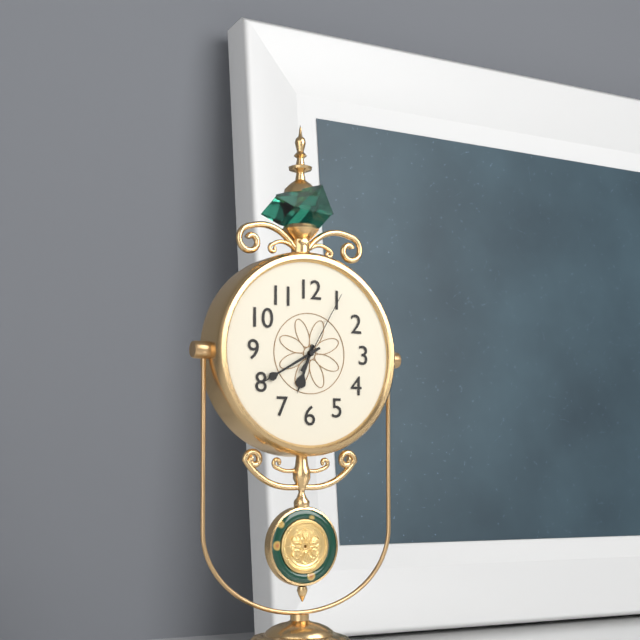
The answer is 6:40:05
